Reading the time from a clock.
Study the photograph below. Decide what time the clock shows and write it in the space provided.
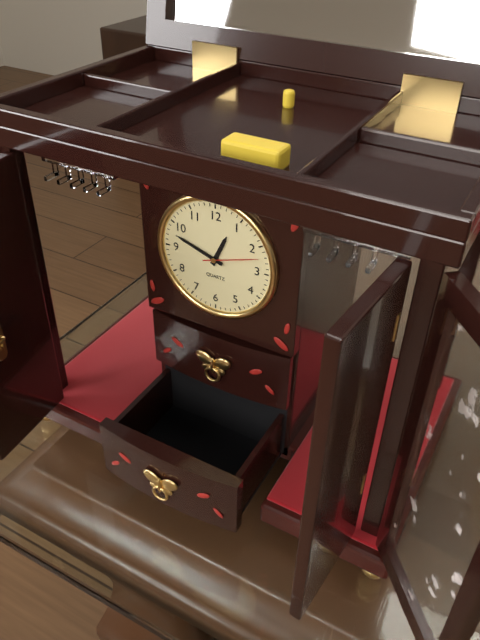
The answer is 12:48:12
